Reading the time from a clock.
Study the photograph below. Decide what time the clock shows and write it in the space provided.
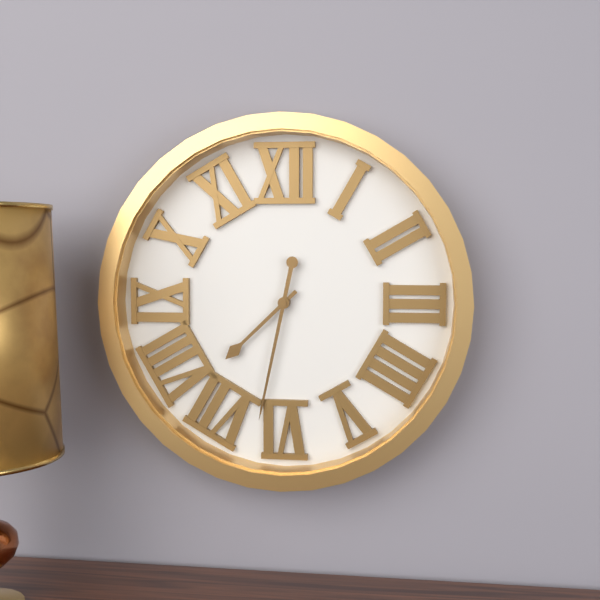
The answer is 7:32
